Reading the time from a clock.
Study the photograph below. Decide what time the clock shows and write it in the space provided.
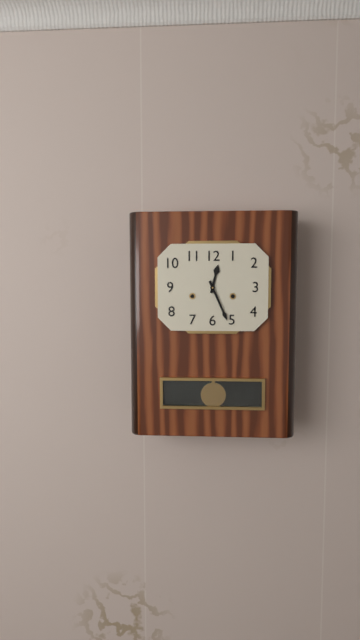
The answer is 12:26
